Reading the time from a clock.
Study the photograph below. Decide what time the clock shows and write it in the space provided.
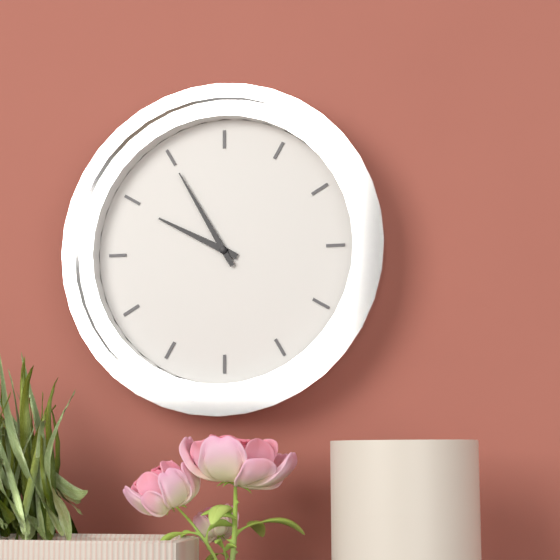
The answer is 9:55
